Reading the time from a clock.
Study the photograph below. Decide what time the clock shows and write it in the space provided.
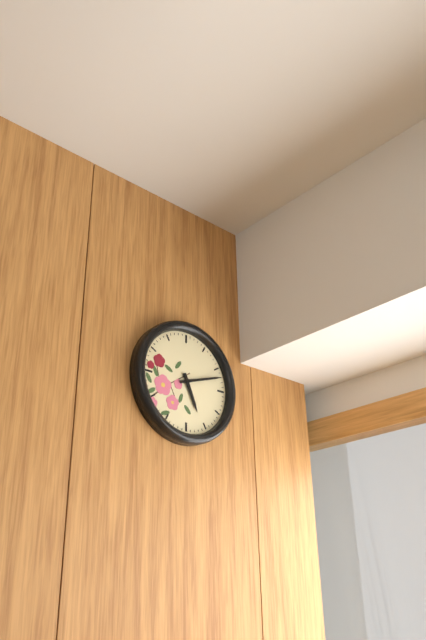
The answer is 5:12
